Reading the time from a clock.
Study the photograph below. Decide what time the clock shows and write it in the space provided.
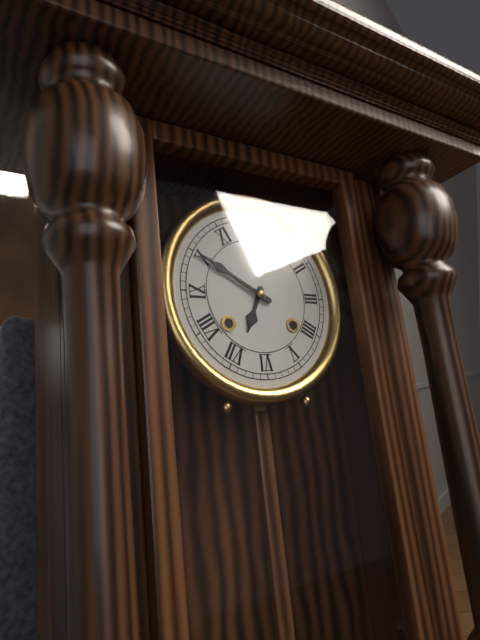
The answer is 6:50
